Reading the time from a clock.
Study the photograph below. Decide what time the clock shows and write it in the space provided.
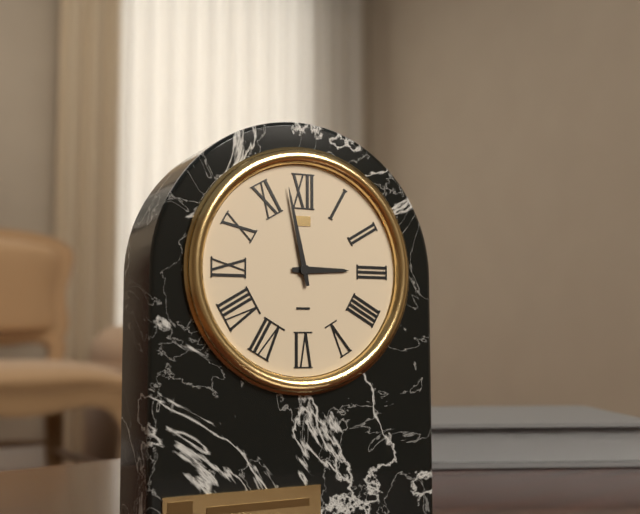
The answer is 2:58
